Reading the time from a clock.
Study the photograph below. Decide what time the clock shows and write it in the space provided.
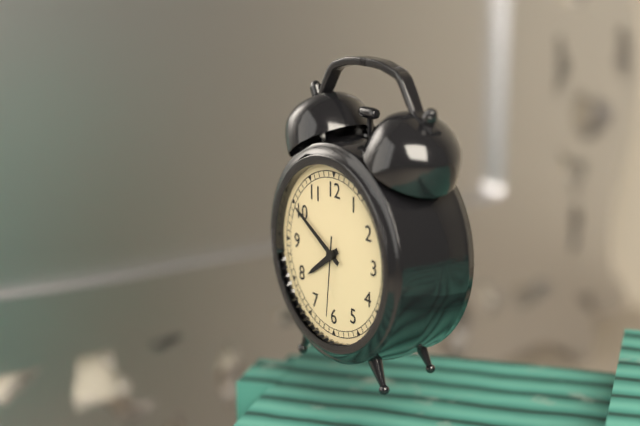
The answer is 7:50:31
